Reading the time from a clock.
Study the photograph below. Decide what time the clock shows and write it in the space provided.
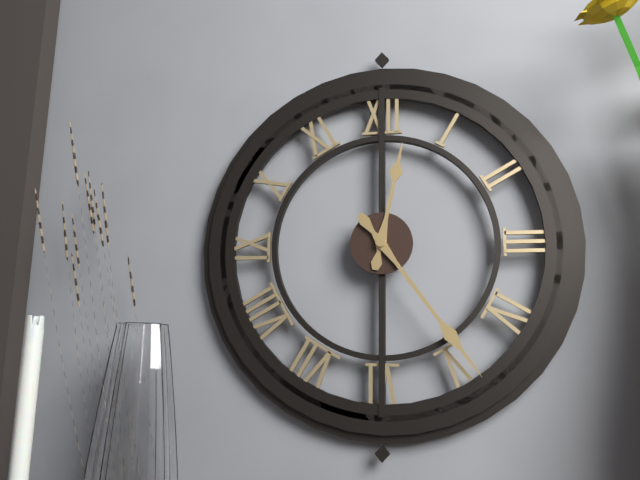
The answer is 12:24
